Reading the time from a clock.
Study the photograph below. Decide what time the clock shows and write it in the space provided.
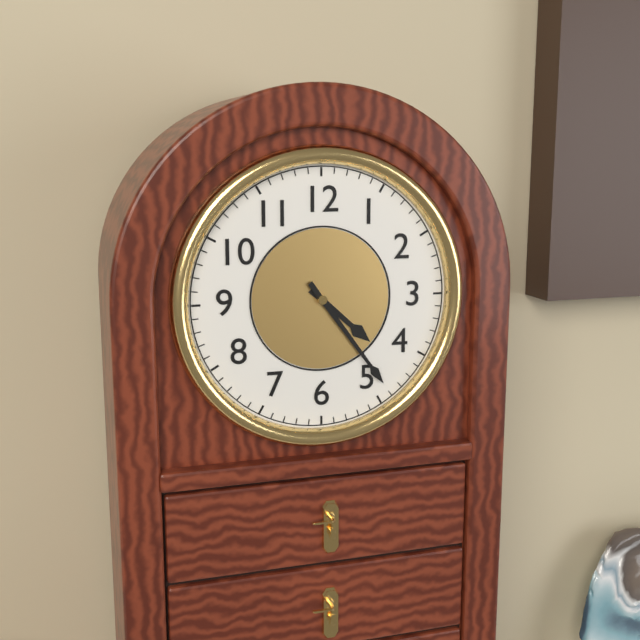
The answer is 4:24
